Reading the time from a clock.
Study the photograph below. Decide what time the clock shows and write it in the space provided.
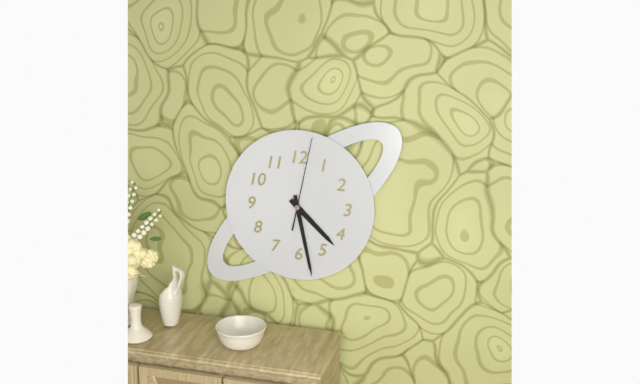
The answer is 4:28:02
